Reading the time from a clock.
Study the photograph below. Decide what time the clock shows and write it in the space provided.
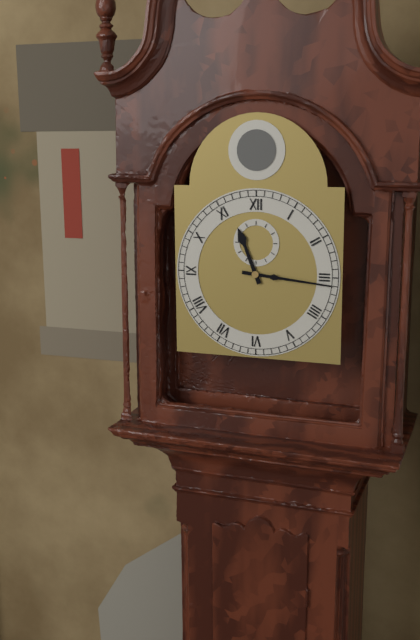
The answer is 11:16
